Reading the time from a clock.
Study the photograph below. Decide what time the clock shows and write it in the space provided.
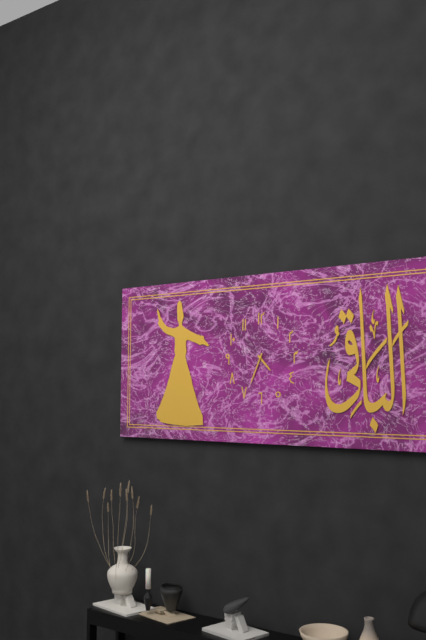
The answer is 4:34
